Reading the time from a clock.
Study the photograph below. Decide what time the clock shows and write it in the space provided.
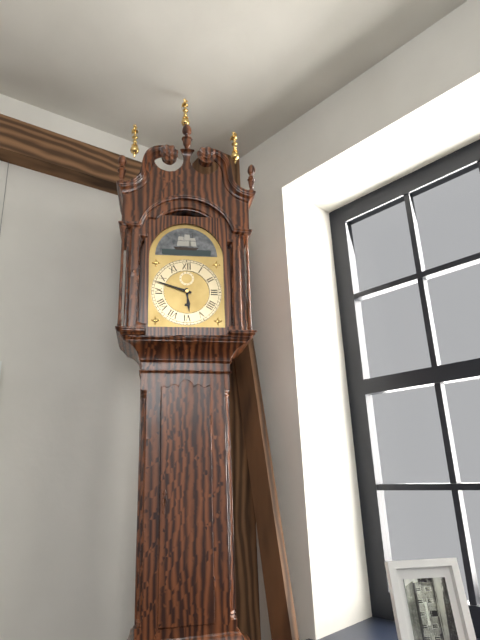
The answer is 5:48
